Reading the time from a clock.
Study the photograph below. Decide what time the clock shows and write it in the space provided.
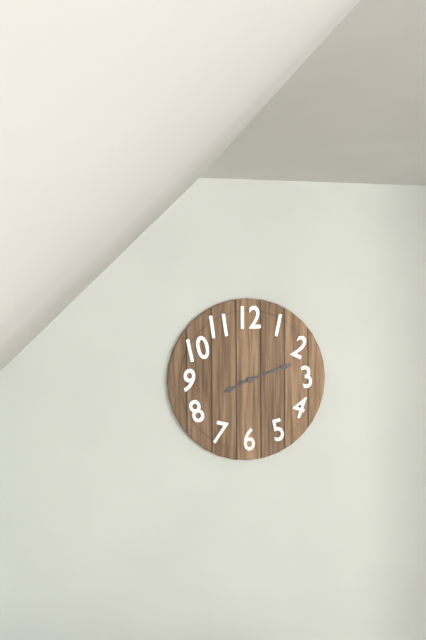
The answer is 8:12
